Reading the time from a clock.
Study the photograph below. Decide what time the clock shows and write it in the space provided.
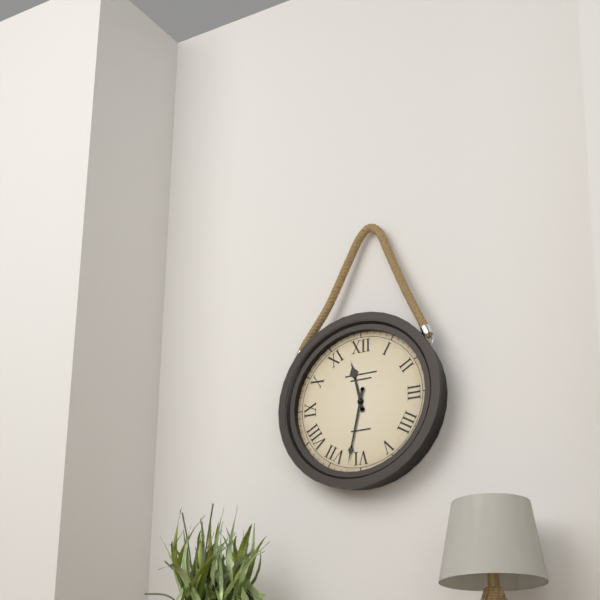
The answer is 11:32
